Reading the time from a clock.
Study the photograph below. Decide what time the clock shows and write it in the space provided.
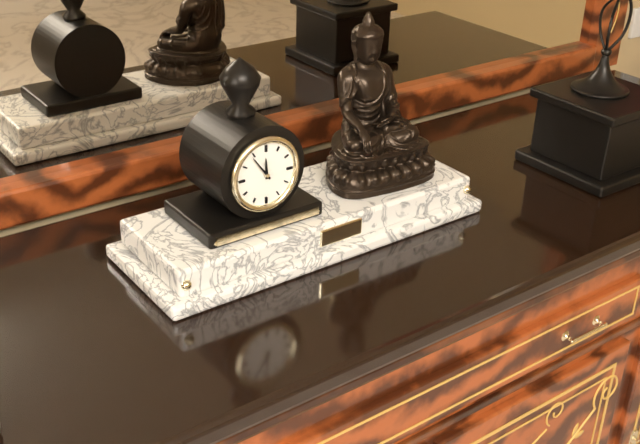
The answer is 11:54
